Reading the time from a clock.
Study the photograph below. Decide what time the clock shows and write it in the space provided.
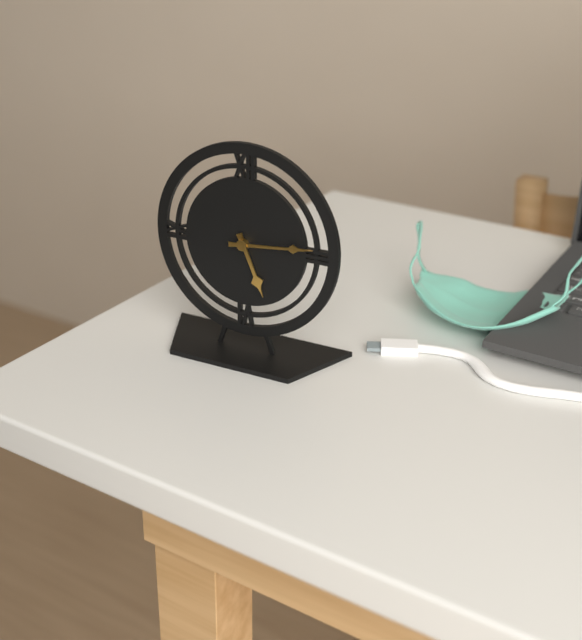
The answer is 5:14
